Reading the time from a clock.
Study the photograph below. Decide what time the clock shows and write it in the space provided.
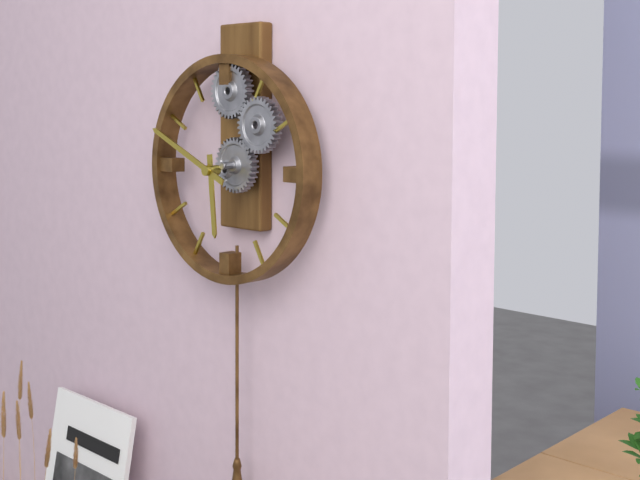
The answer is 5:49
